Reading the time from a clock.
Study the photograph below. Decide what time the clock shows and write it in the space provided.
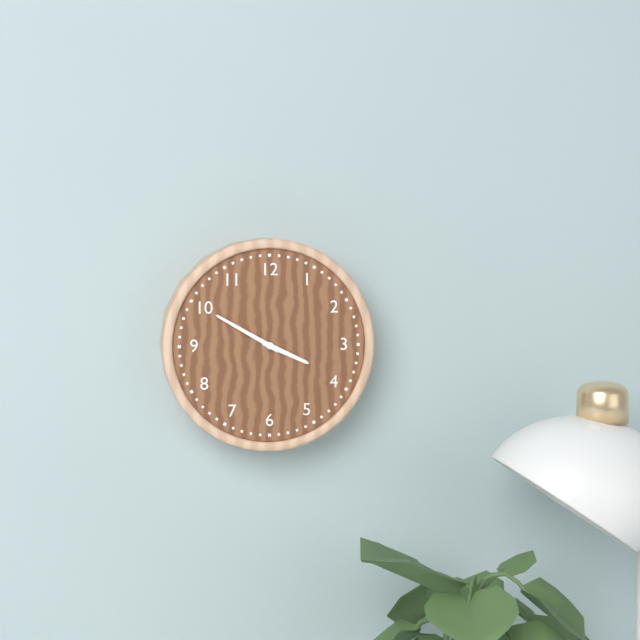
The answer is 3:50
